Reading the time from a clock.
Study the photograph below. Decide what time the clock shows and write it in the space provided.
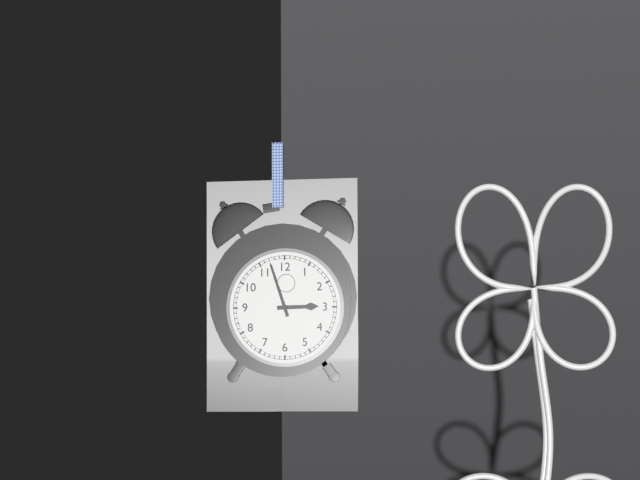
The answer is 2:57
